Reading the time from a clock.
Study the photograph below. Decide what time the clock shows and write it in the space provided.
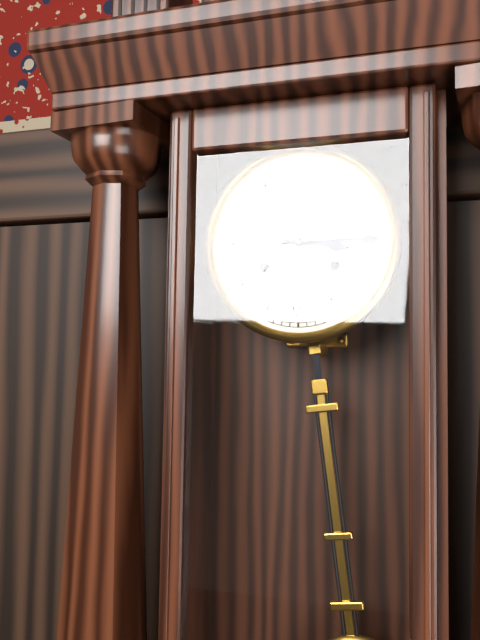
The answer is 3:15
